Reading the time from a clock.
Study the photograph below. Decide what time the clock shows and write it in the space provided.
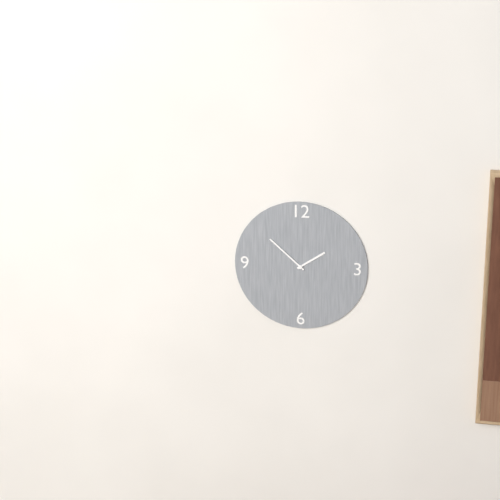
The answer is 1:52
